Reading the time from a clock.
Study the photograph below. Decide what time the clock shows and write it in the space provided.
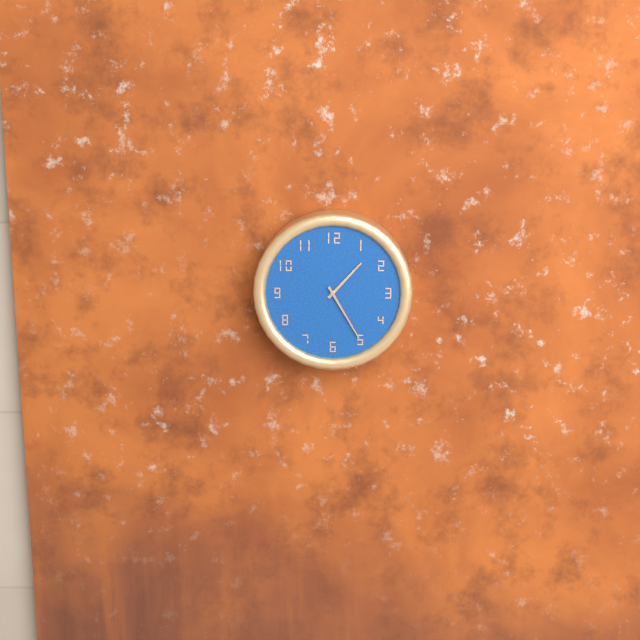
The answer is 1:25
